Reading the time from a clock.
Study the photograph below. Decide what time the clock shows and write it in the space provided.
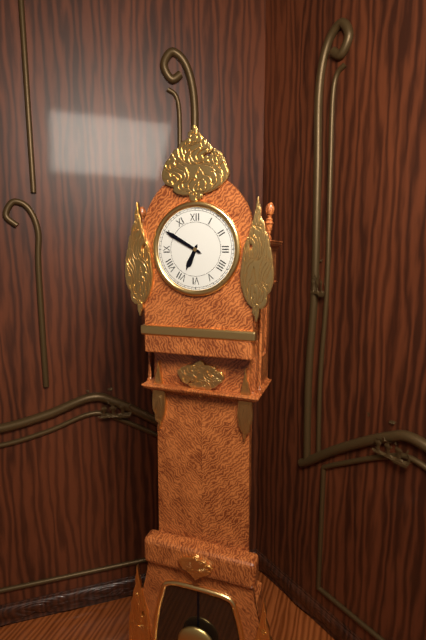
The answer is 6:50
